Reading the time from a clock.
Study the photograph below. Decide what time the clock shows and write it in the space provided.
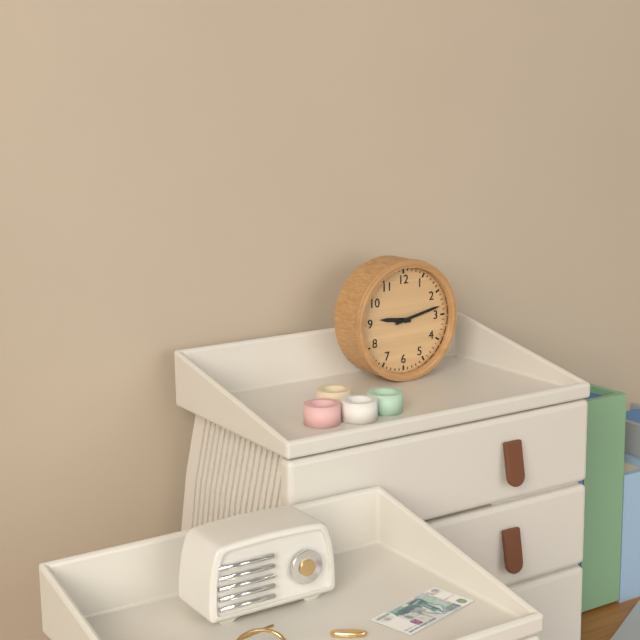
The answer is 9:13
